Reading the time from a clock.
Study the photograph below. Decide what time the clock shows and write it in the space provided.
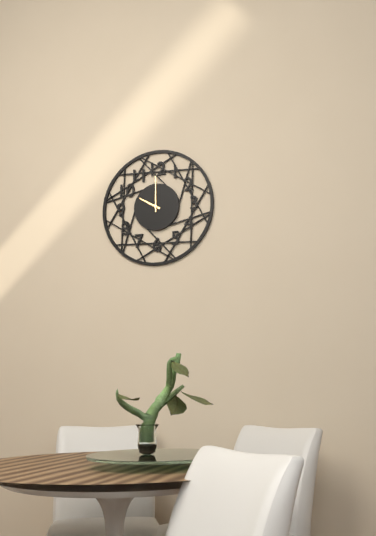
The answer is 10:00
